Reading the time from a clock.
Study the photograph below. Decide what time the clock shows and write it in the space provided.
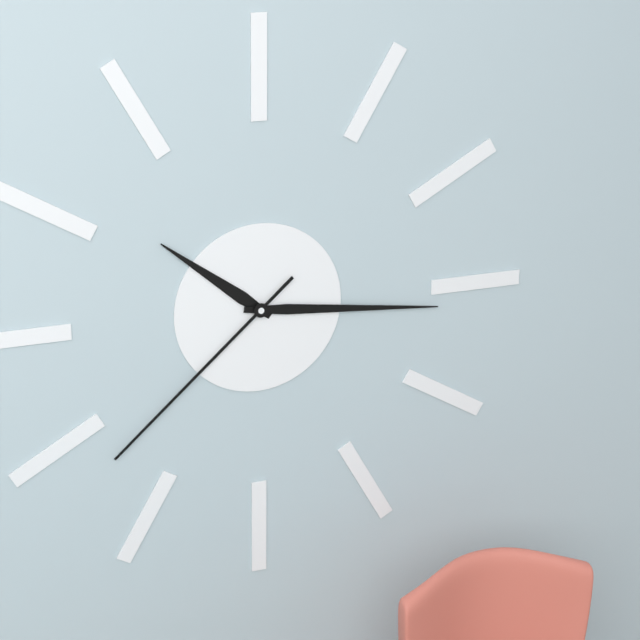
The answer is 10:16:38
